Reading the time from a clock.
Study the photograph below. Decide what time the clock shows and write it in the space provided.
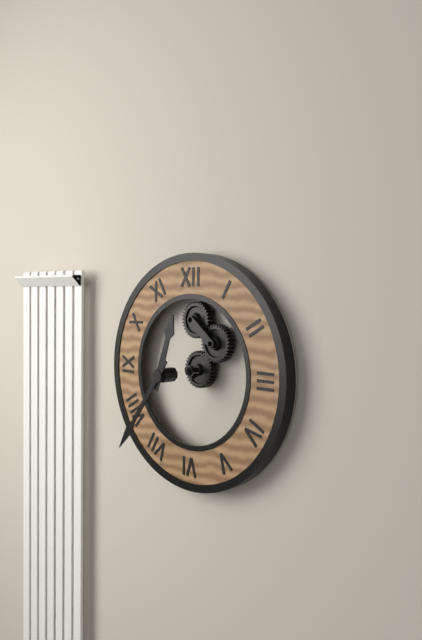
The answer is 12:36
